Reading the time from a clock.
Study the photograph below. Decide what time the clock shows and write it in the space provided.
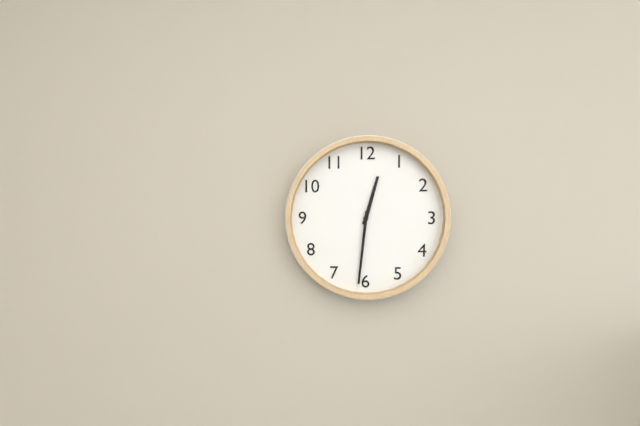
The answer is 12:31
